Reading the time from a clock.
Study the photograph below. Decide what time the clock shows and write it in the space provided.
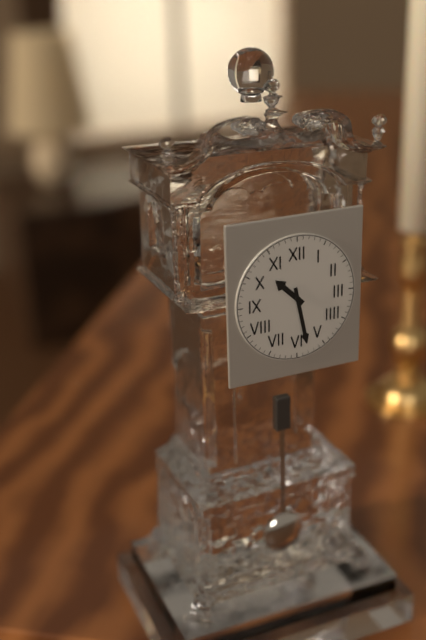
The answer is 10:28
